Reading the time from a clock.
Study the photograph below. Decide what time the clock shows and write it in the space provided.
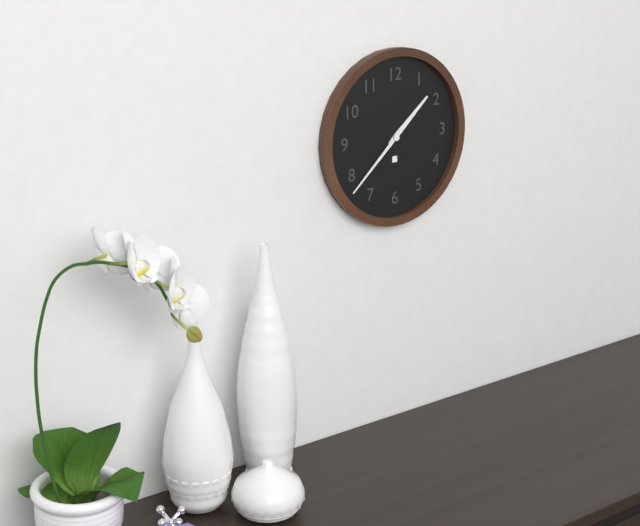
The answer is 1:38
